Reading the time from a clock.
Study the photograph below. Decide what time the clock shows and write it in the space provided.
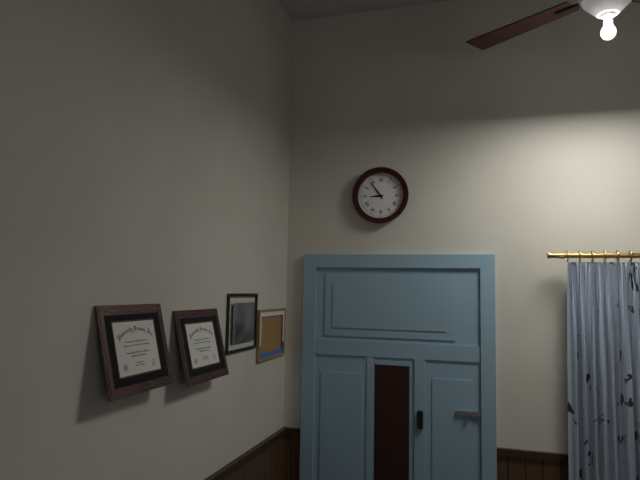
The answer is 8:54
